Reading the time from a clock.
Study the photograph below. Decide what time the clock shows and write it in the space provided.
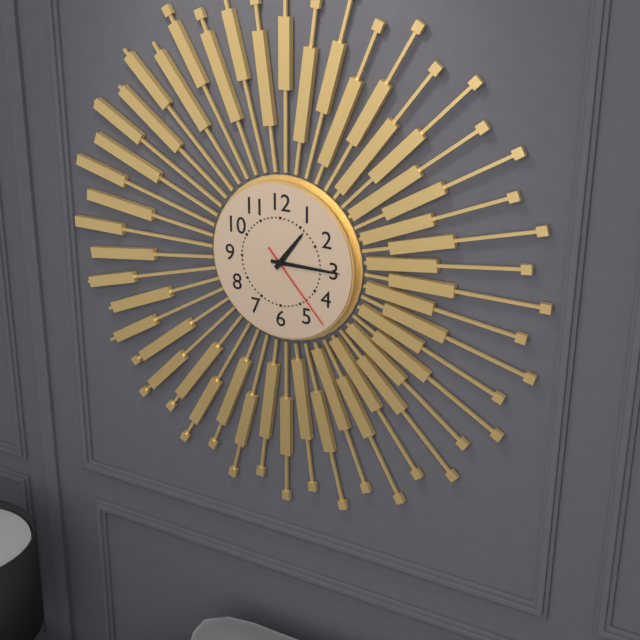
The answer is 1:15:23
